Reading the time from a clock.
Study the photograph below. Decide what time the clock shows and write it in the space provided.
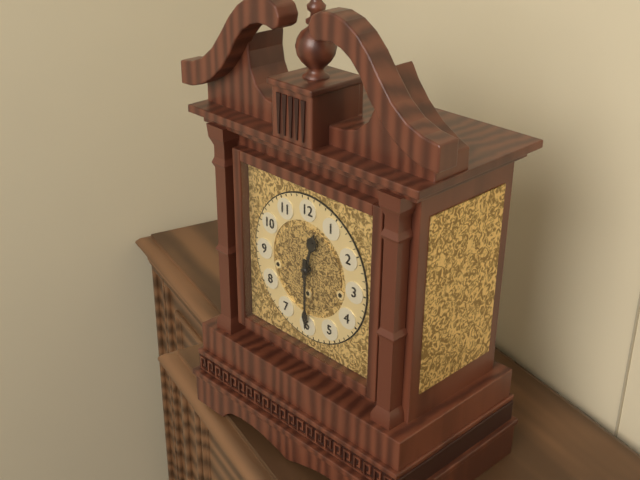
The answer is 12:30
